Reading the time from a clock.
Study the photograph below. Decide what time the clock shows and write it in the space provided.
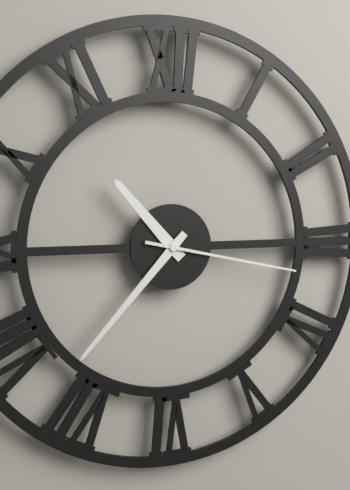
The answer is 10:37:17
